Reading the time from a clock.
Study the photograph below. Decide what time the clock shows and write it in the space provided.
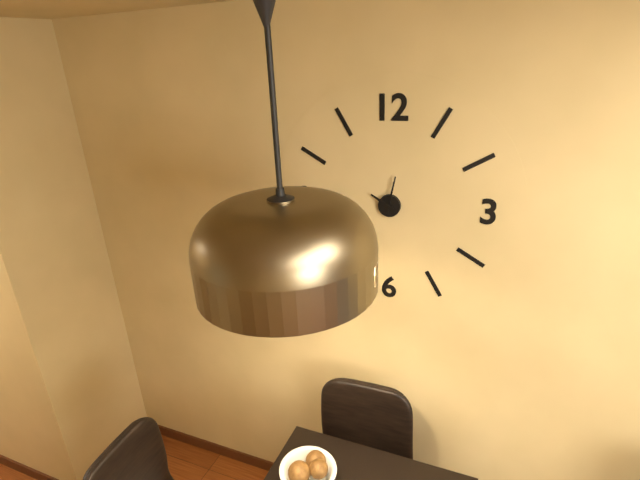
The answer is 10:02
